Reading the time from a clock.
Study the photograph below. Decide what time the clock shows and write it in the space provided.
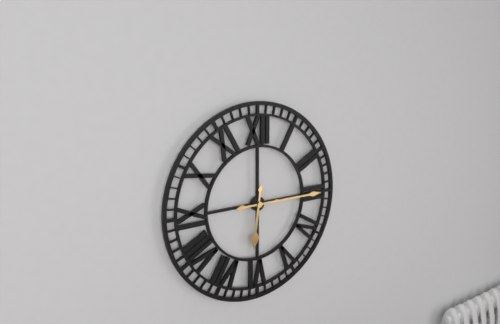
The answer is 6:15
